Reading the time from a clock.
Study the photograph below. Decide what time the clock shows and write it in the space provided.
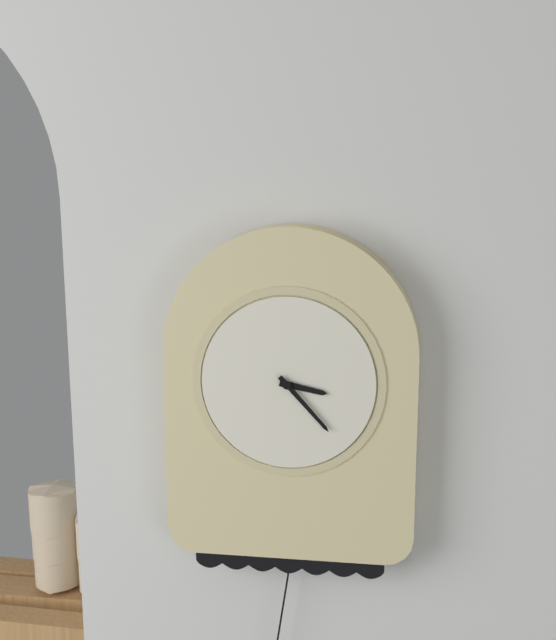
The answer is 3:23
